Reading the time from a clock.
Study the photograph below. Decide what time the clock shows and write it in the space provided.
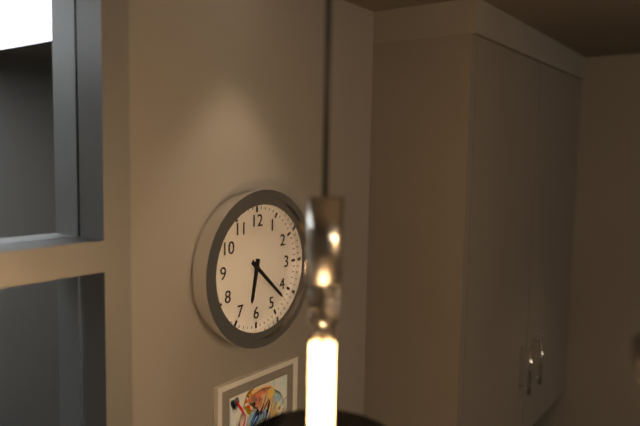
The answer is 6:22
